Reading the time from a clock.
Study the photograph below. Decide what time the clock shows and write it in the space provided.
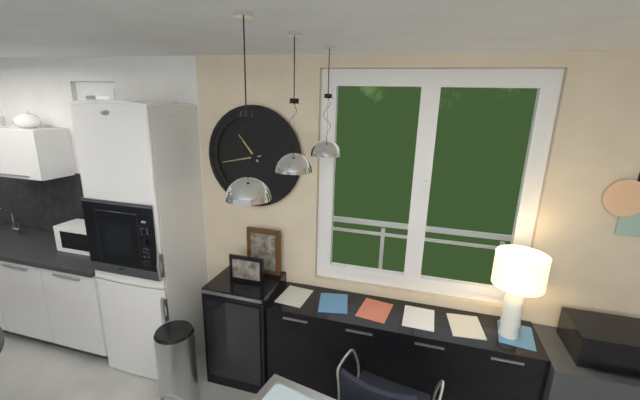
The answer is 10:43
